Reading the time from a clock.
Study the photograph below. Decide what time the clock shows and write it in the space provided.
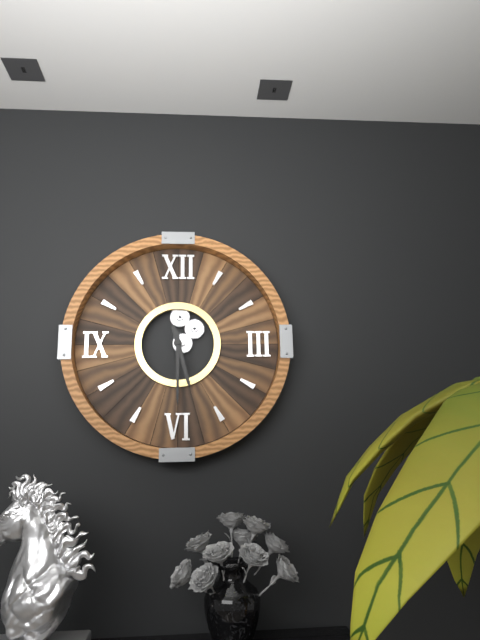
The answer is 5:30
